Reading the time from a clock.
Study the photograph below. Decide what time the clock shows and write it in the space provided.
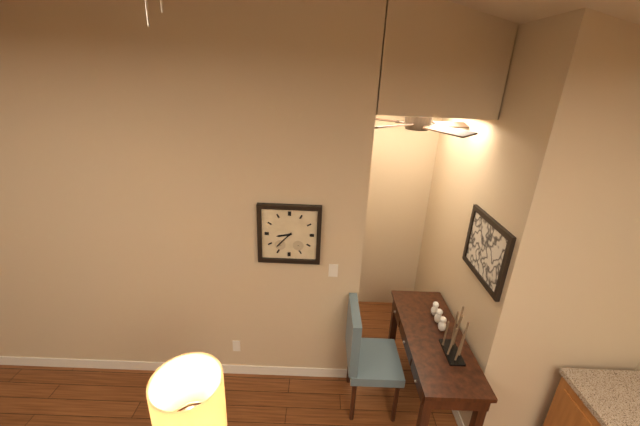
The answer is 8:37
